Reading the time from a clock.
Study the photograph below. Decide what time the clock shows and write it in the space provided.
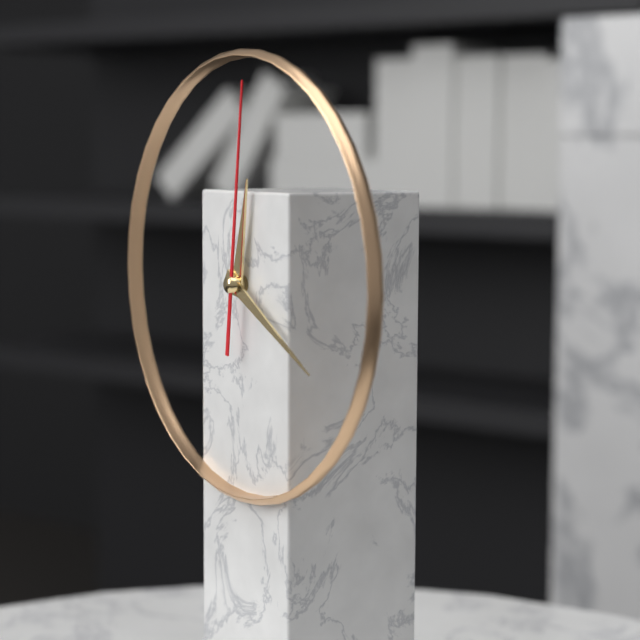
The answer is 12:20:01
